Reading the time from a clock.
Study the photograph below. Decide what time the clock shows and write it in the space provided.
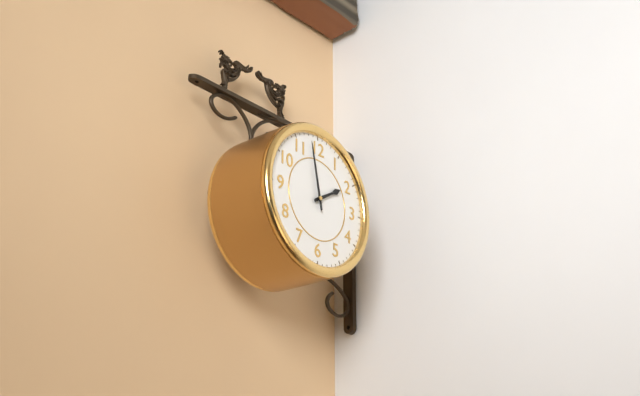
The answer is 1:58
